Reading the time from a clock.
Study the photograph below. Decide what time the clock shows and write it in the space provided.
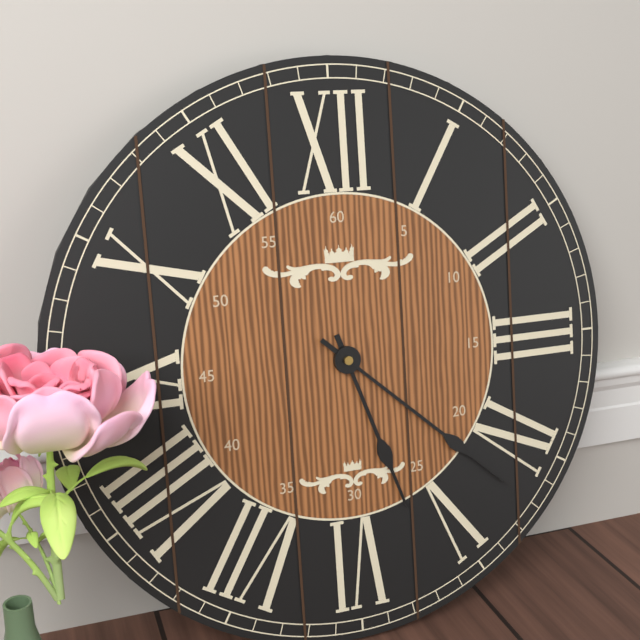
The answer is 5:22
